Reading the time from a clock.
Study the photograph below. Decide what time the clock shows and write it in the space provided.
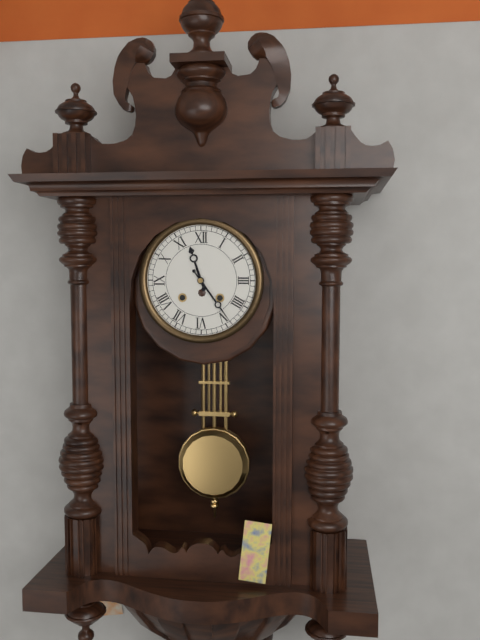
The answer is 11:24
